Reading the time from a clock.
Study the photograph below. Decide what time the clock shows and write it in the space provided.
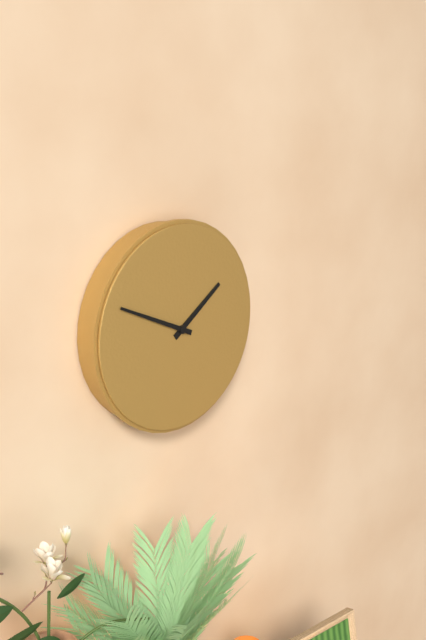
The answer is 1:49
